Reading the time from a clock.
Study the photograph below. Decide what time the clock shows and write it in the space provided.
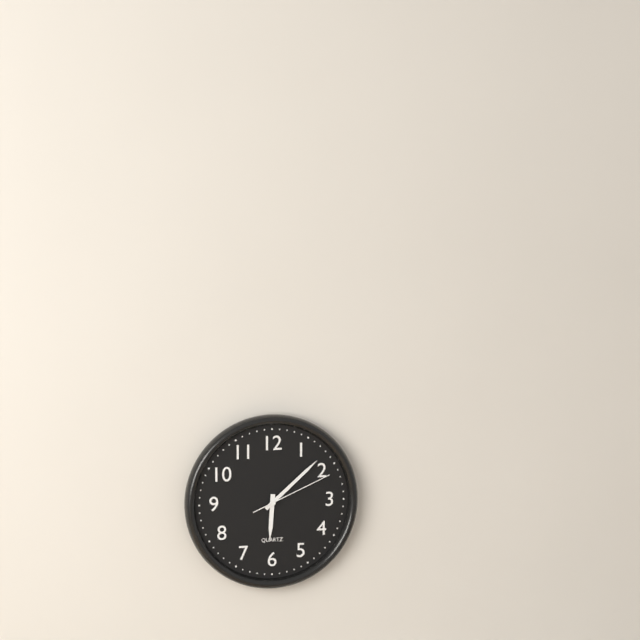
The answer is 6:08:11
